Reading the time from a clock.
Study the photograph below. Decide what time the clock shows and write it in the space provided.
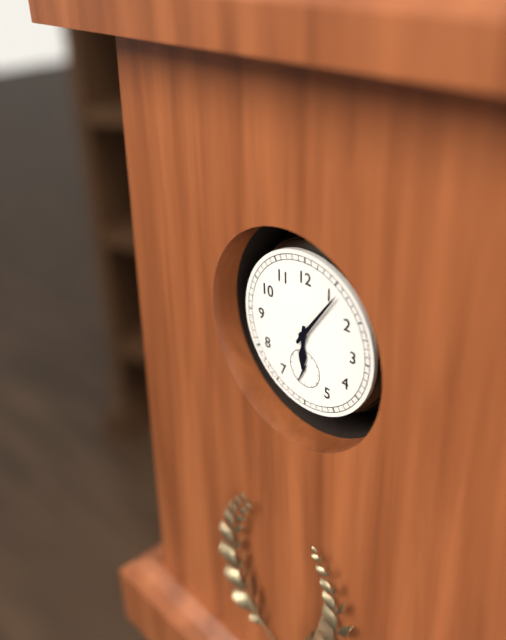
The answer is 6:06
